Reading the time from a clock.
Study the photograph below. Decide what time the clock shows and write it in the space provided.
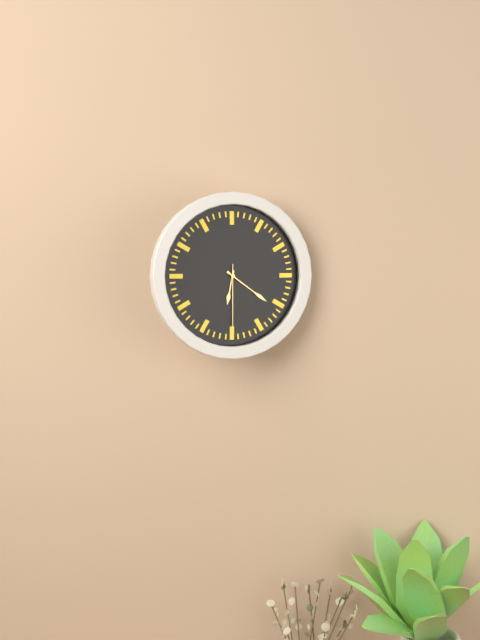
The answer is 6:21:30
